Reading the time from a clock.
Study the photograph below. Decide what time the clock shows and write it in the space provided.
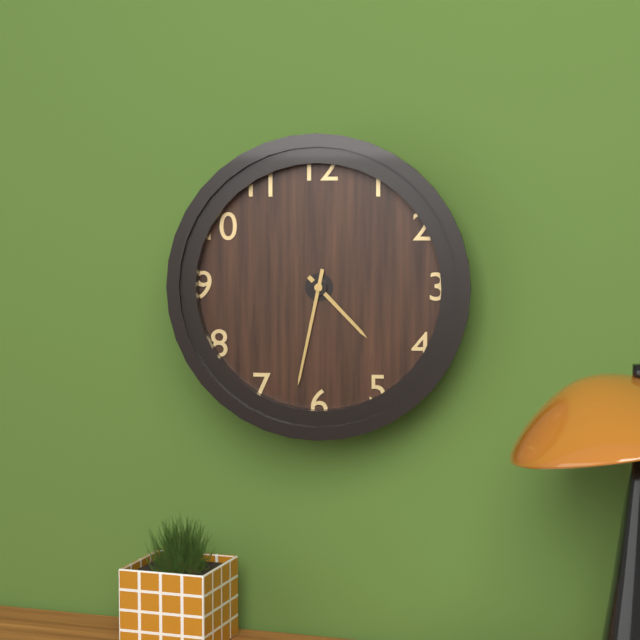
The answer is 4:32
